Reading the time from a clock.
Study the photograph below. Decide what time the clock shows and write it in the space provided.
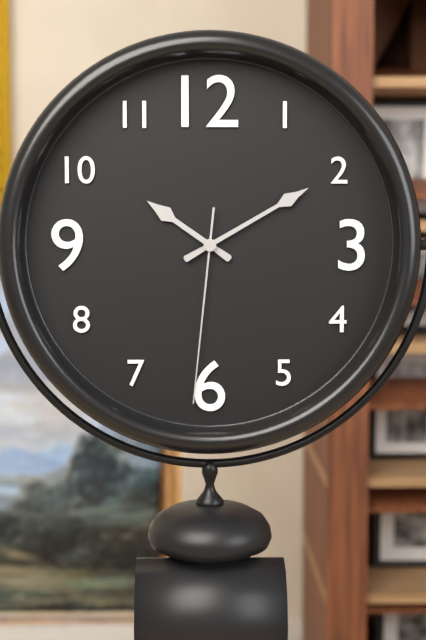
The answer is 10:10:31
